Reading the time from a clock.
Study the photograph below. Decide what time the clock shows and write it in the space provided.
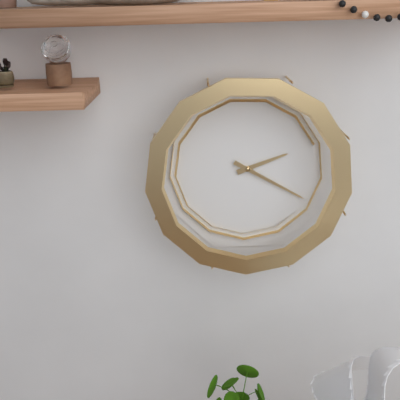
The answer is 2:20
